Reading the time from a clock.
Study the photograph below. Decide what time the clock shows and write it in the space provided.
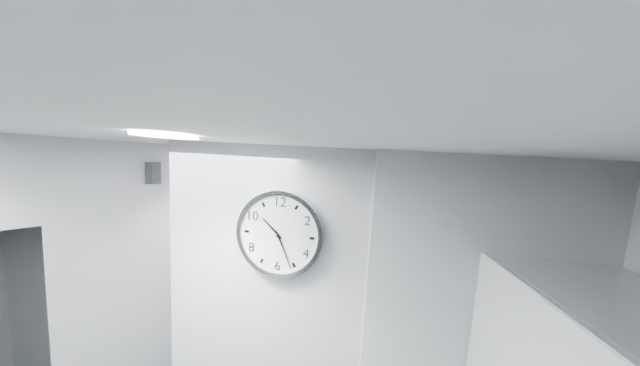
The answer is 10:26
